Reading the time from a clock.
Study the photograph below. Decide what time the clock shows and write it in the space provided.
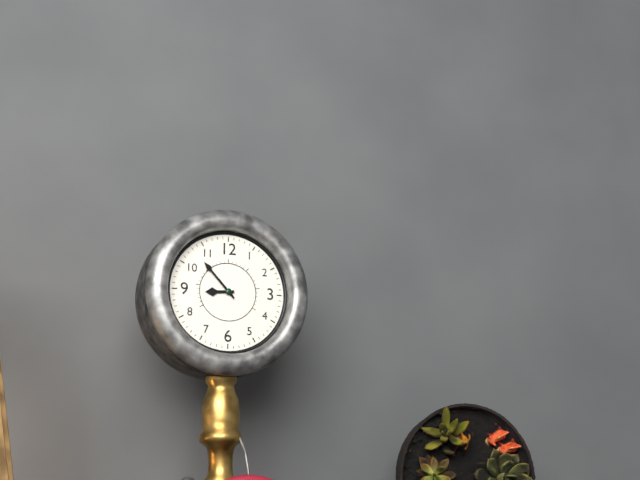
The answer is 8:53
